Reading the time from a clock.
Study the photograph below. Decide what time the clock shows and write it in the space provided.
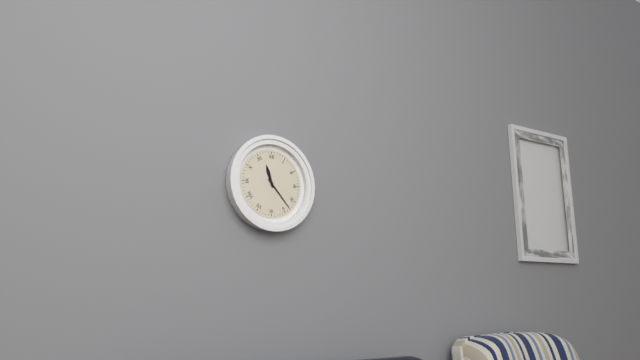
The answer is 11:23
